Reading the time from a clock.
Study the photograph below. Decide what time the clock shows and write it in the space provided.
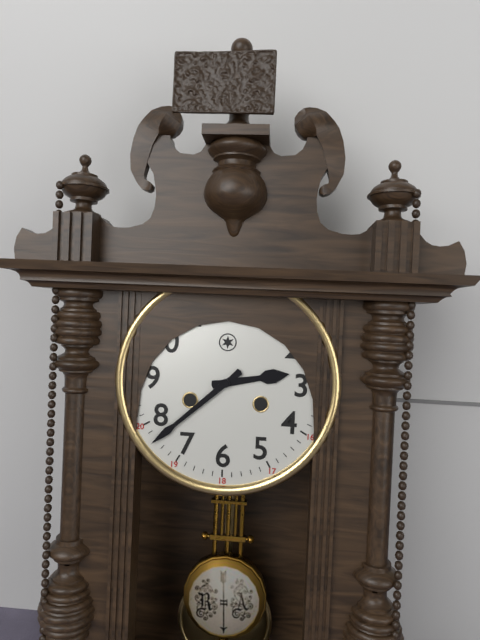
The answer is 2:38
